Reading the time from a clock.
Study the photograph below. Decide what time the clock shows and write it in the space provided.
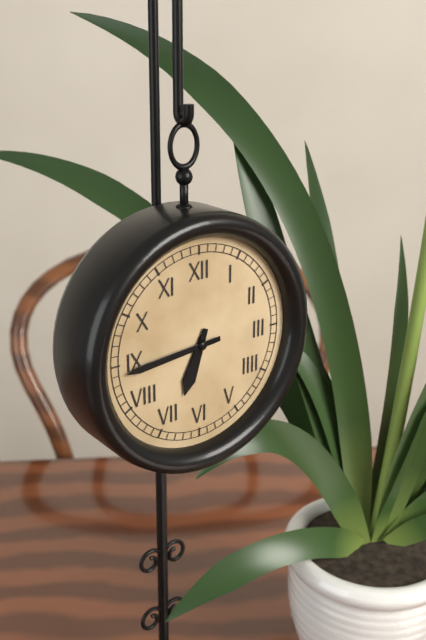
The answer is 6:44
